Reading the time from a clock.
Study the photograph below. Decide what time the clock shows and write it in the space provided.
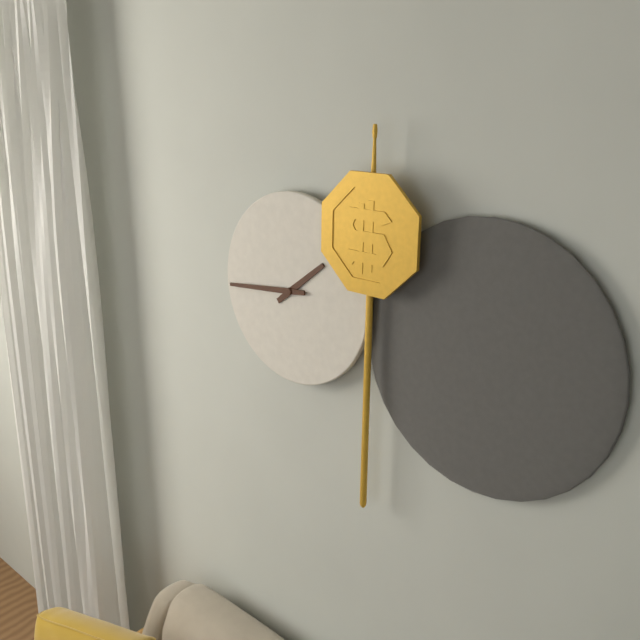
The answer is 1:44
